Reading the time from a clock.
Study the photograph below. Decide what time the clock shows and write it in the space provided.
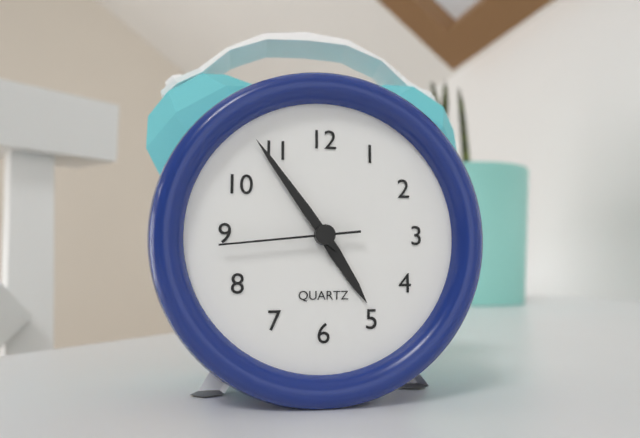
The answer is 4:54:44
